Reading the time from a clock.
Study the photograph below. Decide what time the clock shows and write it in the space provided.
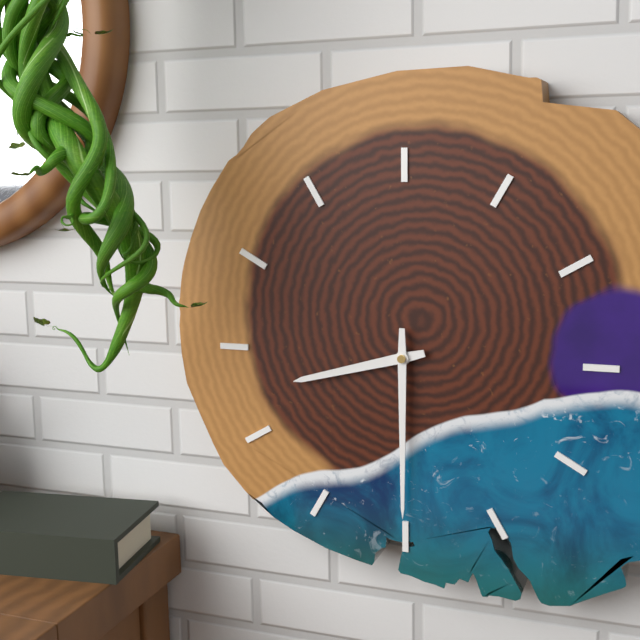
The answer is 8:30
